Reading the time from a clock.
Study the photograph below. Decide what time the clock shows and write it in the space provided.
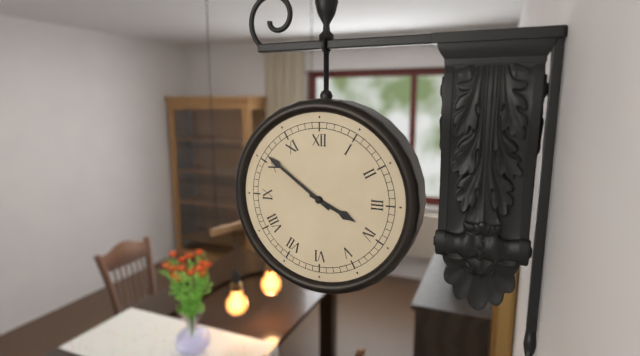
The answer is 3:51
